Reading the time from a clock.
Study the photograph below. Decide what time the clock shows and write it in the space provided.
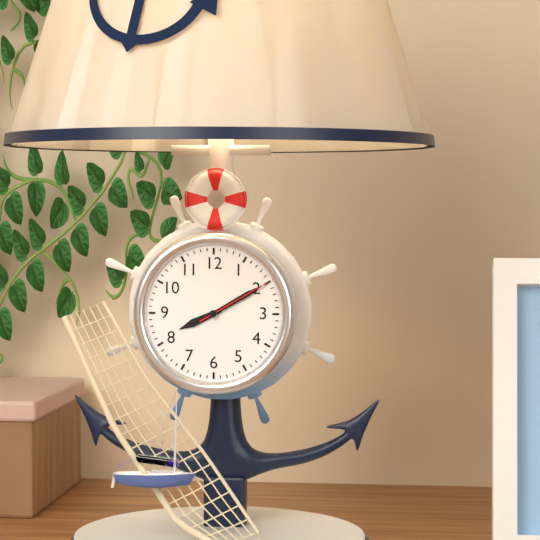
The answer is 8:10:10
